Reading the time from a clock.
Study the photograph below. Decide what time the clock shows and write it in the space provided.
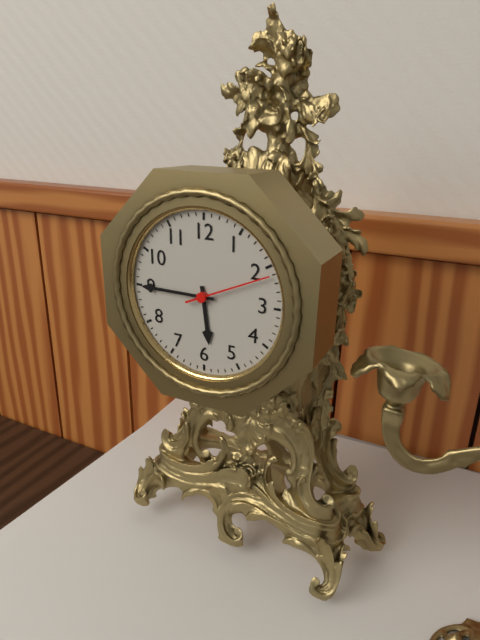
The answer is 5:45:11
